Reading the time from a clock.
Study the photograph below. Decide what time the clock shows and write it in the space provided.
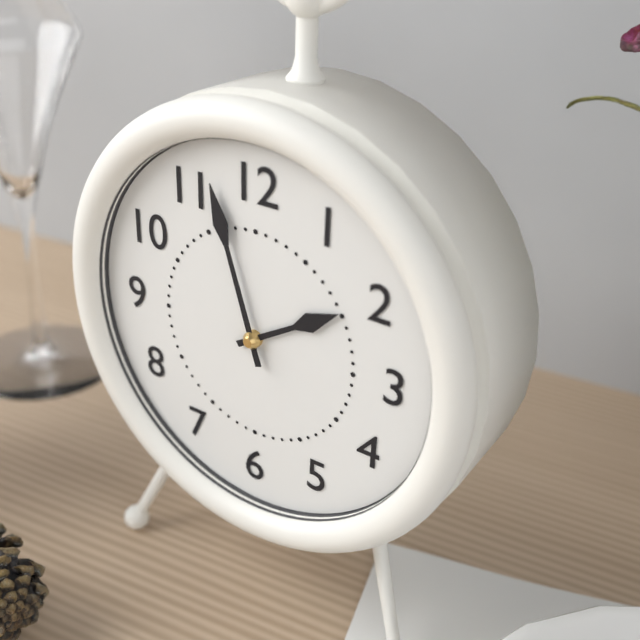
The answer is 1:57
